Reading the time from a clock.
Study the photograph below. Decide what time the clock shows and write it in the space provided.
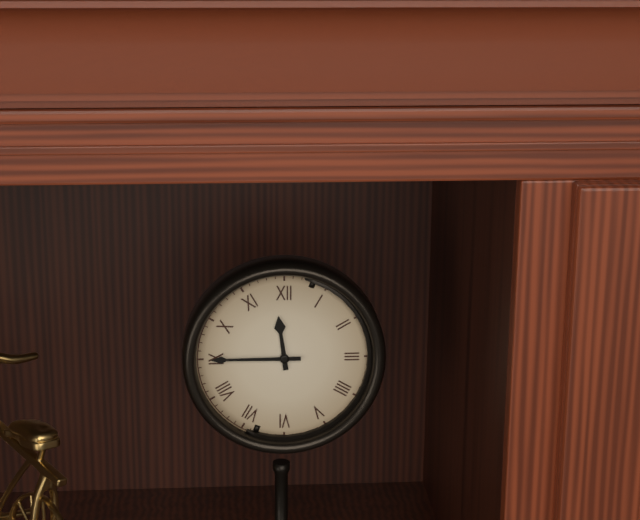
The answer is 11:45
